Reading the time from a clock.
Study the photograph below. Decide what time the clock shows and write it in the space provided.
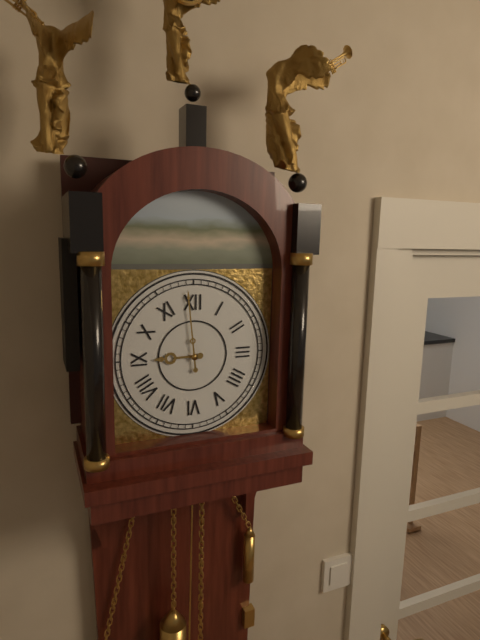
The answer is 8:59
